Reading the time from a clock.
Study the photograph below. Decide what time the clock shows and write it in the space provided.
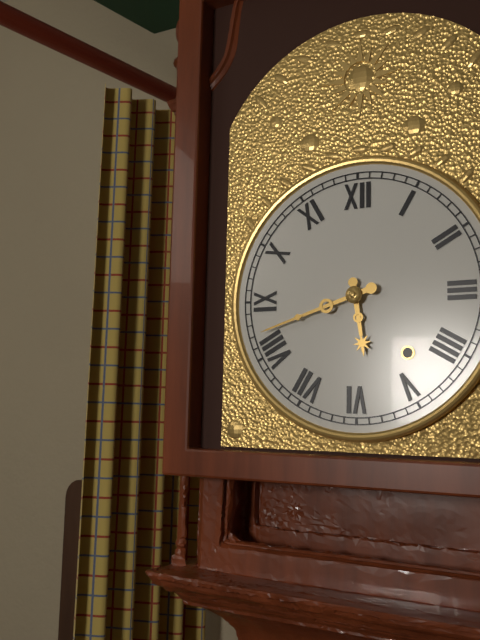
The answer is 5:42
